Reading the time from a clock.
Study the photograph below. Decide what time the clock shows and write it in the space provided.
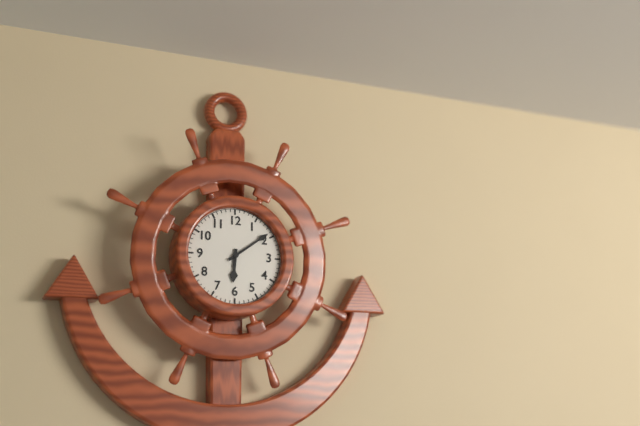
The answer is 6:09
